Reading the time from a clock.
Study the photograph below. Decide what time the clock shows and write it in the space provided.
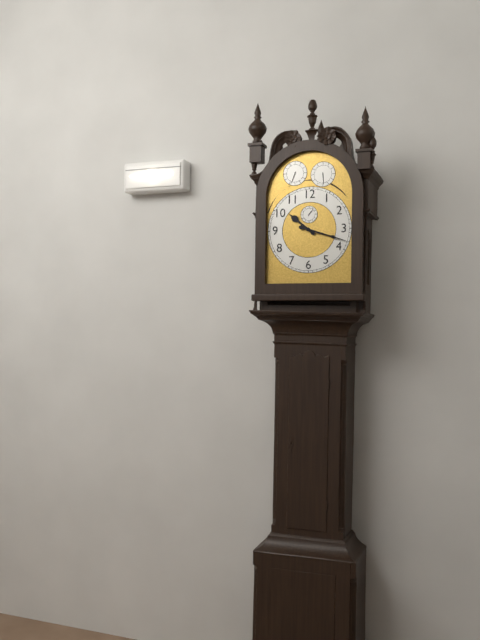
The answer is 10:18
